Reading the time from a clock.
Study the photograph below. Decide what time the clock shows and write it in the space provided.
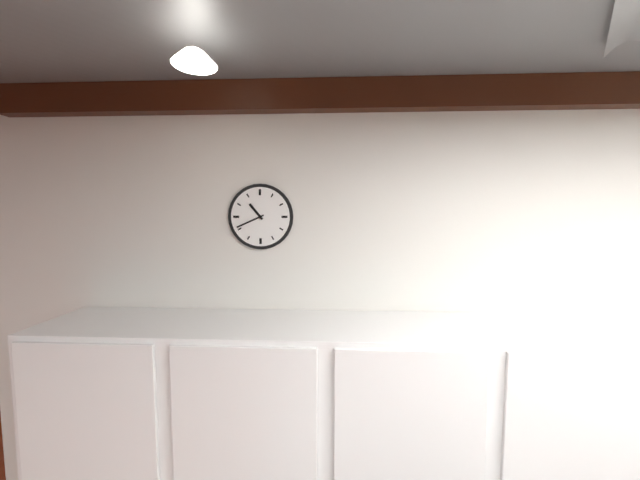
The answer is 10:41
